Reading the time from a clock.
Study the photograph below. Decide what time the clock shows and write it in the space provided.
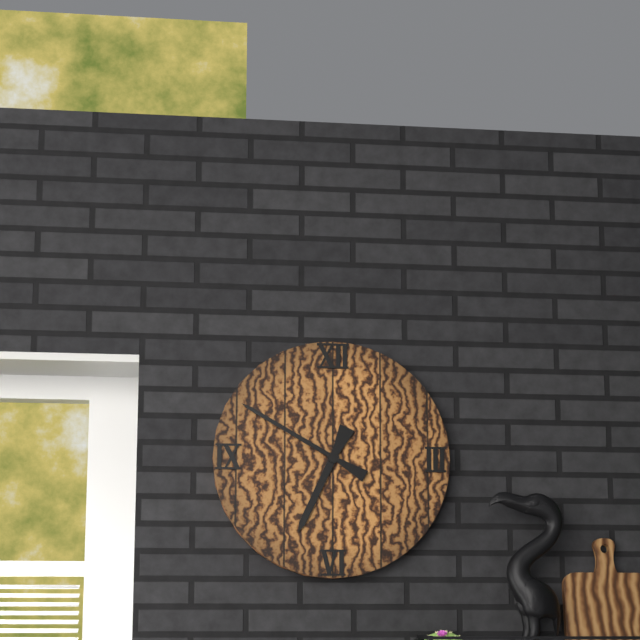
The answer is 6:50
